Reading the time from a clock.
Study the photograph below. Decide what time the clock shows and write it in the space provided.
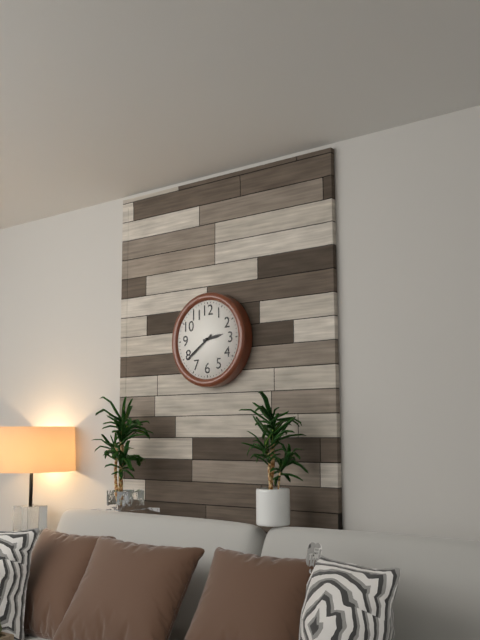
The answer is 2:39
